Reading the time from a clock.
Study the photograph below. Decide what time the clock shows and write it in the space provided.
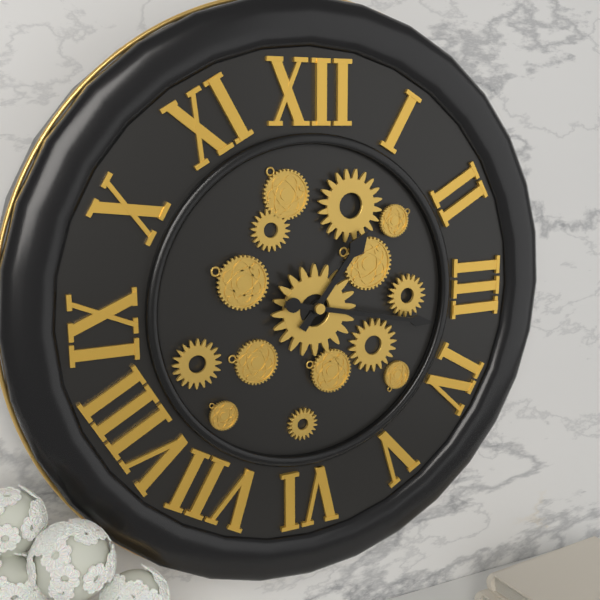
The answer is 1:17
